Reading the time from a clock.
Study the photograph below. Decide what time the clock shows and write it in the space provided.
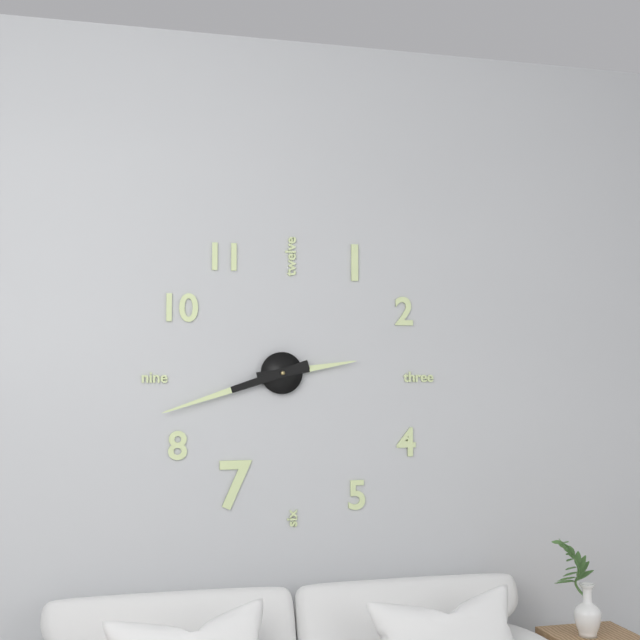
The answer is 2:42
